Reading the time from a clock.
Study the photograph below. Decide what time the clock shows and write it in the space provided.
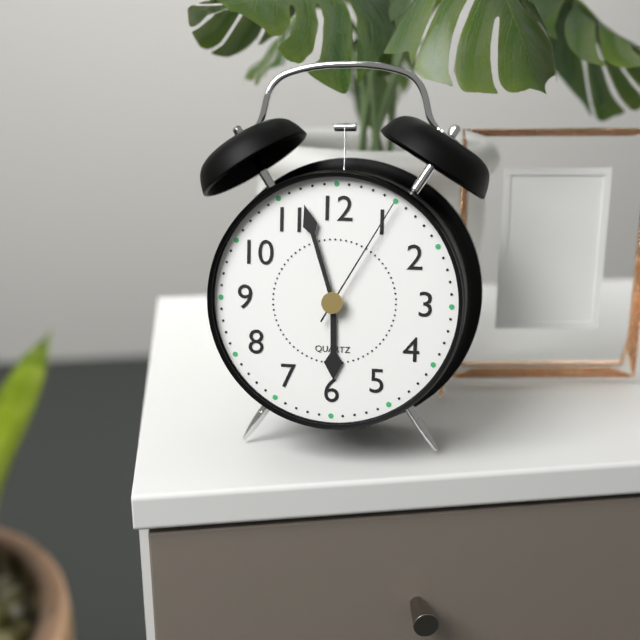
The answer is 5:57:05
